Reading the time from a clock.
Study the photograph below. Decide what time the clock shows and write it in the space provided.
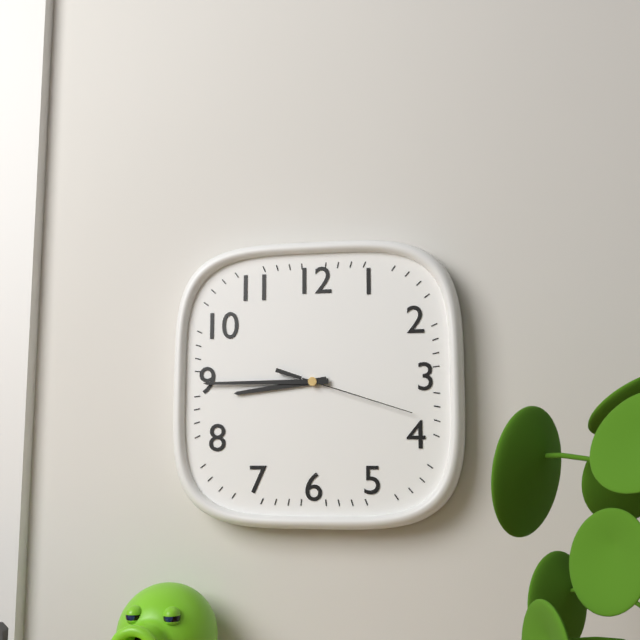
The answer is 8:45:18
